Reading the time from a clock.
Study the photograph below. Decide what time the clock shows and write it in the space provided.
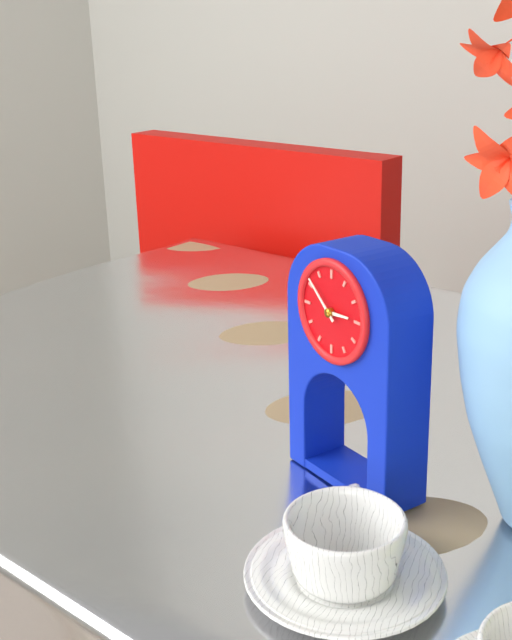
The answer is 2:52
